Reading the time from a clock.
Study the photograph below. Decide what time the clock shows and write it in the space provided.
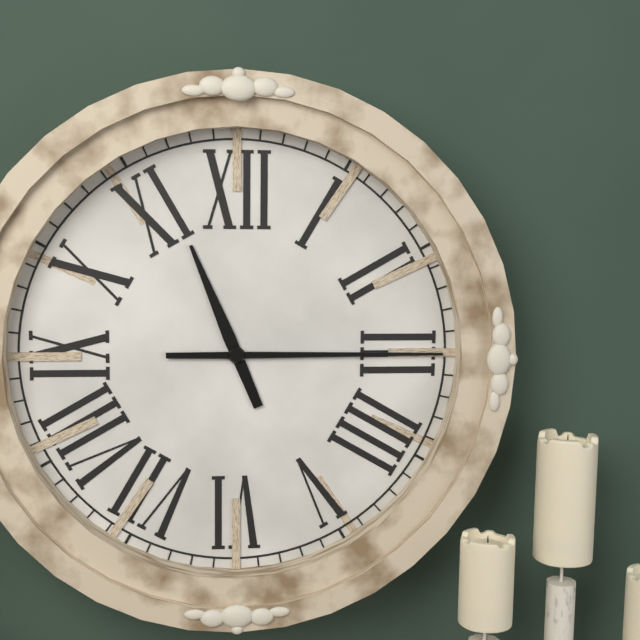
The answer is 11:15
